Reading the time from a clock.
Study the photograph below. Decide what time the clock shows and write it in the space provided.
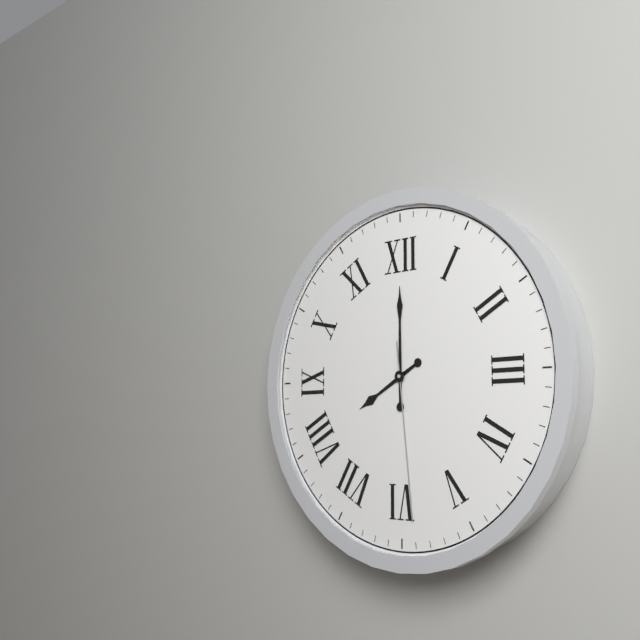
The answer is 8:00:29
